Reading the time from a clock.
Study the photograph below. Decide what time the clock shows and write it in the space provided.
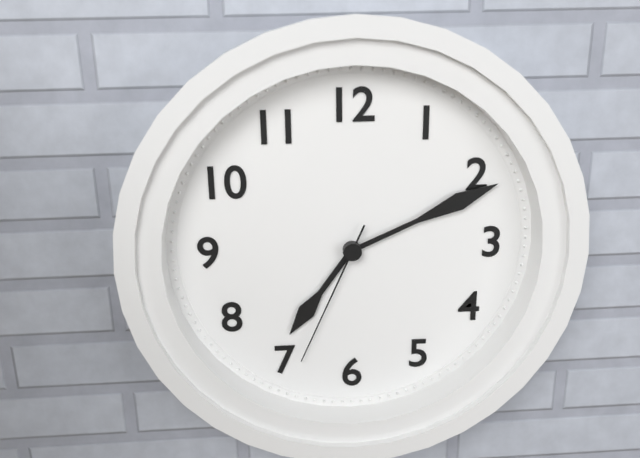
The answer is 7:11:34
